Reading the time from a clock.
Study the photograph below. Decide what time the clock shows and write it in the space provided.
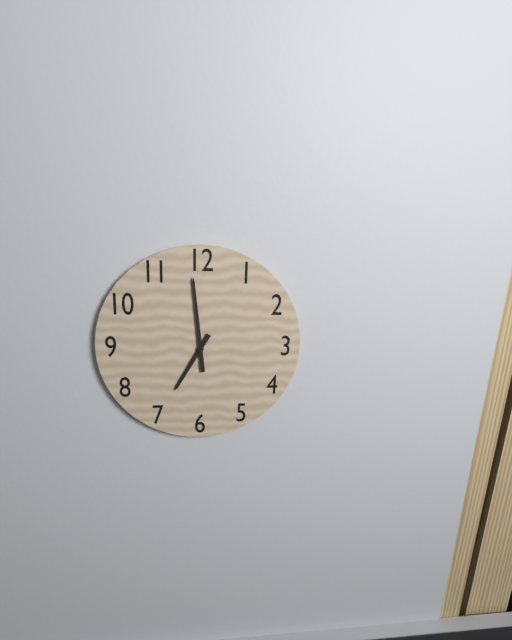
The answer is 6:59
